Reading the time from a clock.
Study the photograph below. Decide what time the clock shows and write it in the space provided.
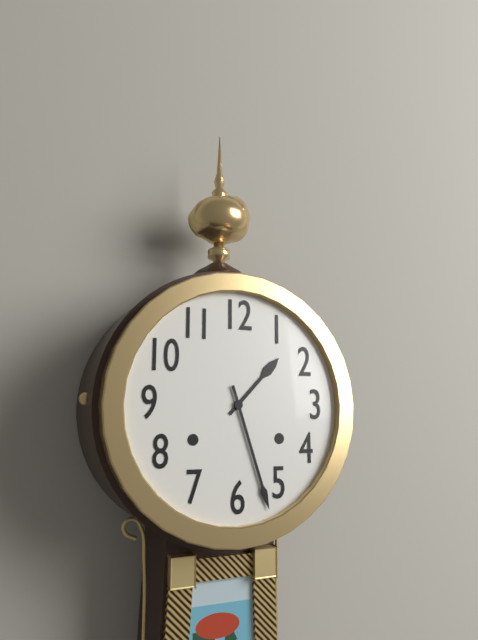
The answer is 1:27
